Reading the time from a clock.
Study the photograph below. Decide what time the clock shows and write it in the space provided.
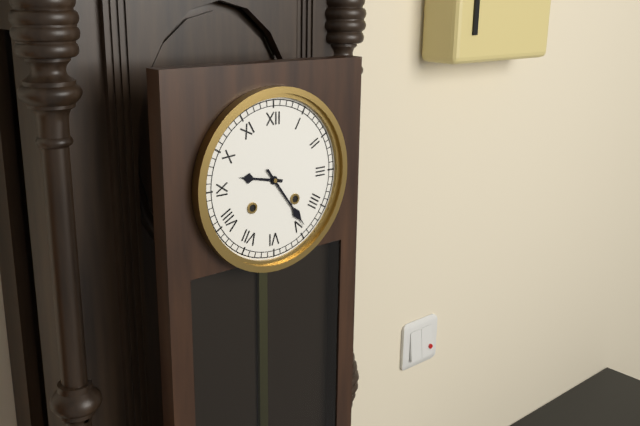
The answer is 9:24
